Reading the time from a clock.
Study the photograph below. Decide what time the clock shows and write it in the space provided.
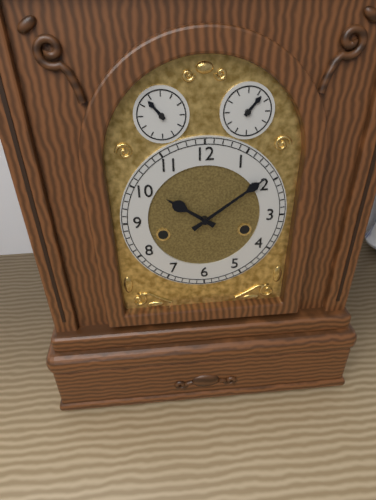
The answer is 10:09
